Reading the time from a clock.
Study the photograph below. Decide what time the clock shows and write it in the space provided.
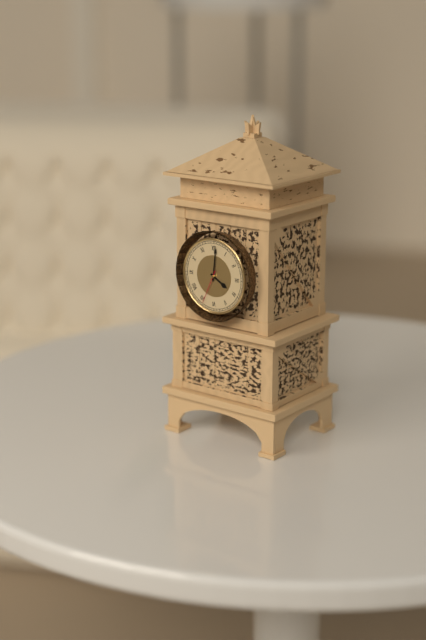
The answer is 4:01
